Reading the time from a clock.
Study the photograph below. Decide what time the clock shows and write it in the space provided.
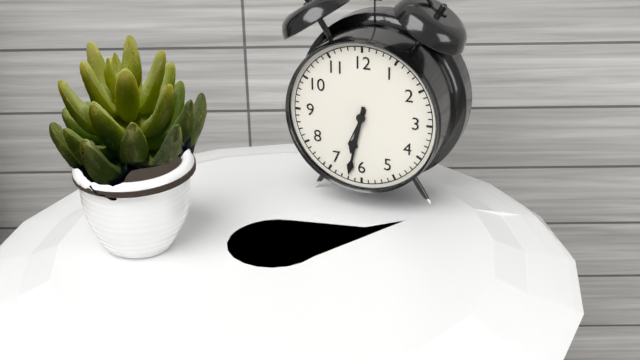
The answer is 6:32
